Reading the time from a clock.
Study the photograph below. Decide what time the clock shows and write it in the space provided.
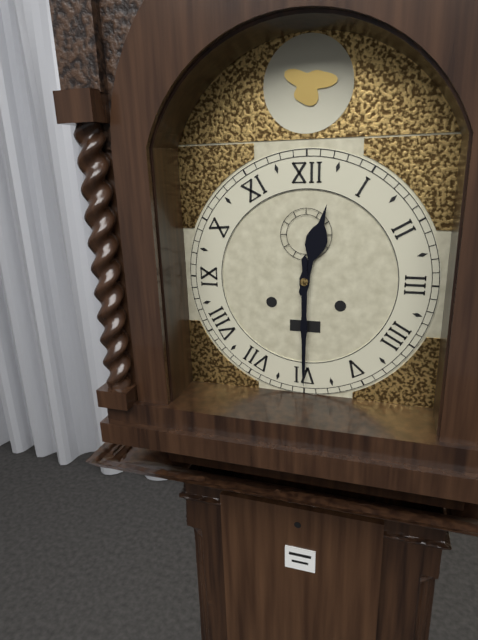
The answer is 12:30
